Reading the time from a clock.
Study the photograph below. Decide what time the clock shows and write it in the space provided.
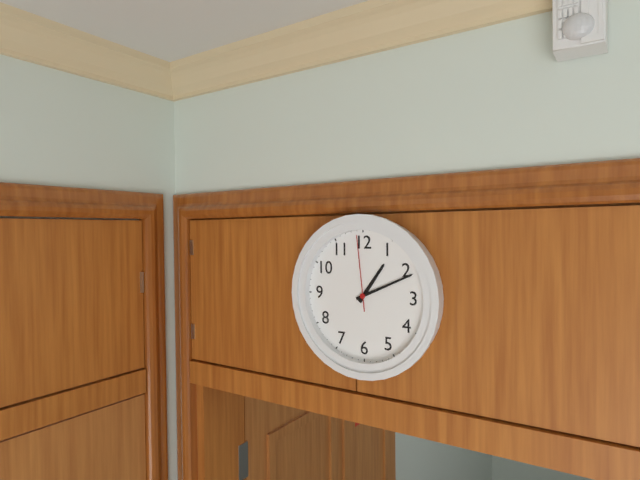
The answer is 1:11:59
